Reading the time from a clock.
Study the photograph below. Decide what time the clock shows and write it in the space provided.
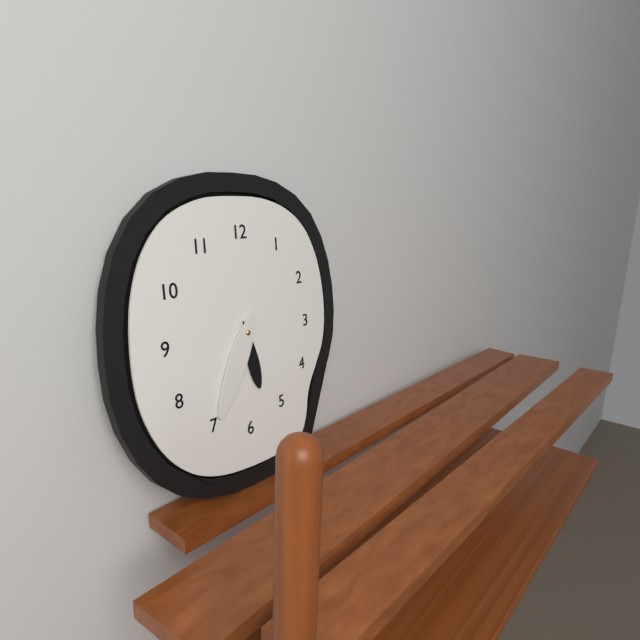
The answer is 5:35
